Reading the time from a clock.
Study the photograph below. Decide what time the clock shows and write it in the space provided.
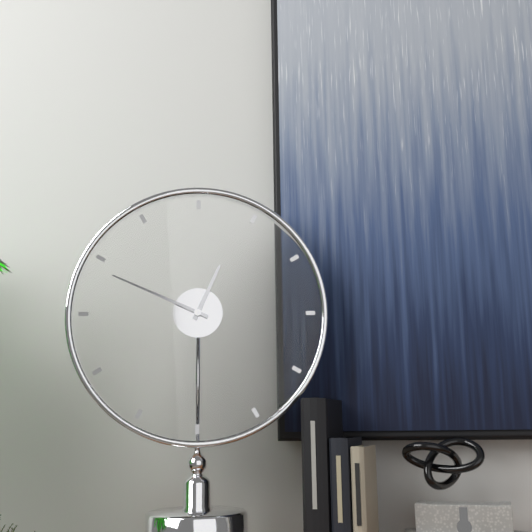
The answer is 12:49
